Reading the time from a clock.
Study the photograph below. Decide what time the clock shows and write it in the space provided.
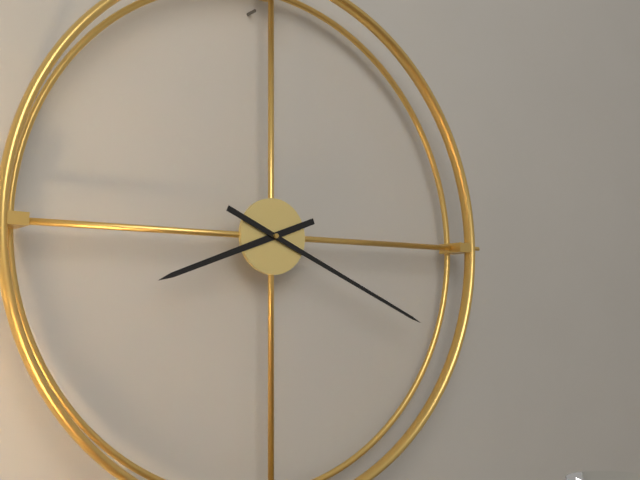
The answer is 8:19
